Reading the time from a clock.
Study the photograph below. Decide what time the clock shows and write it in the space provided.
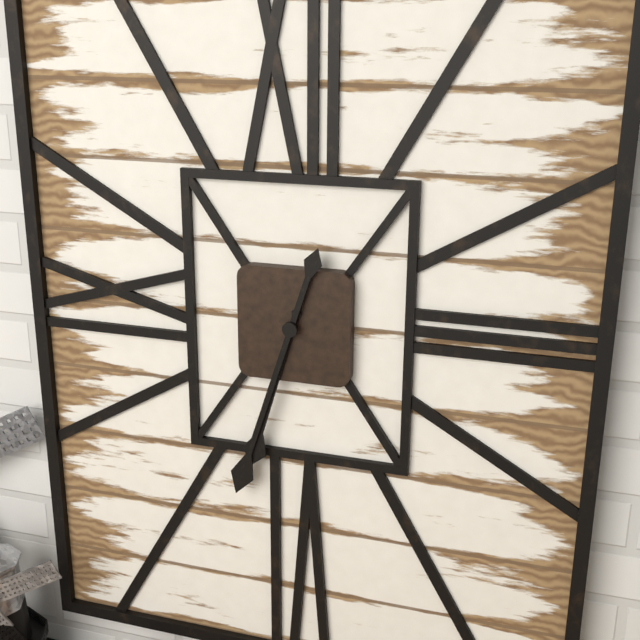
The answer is 6:33
